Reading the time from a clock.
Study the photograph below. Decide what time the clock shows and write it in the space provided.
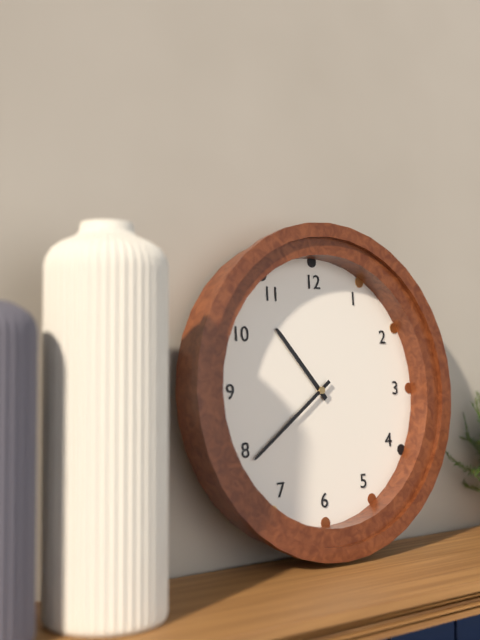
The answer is 10:39
